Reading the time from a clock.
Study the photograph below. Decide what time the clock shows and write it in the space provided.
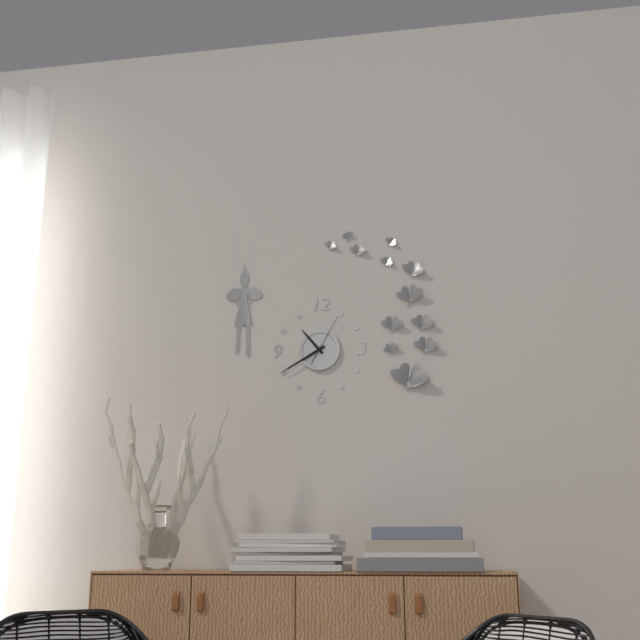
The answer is 10:40
